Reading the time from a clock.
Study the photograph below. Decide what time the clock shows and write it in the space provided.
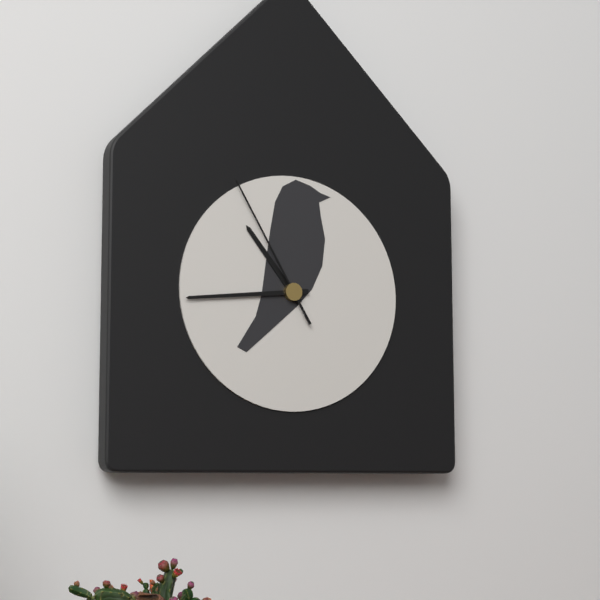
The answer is 10:44:55
